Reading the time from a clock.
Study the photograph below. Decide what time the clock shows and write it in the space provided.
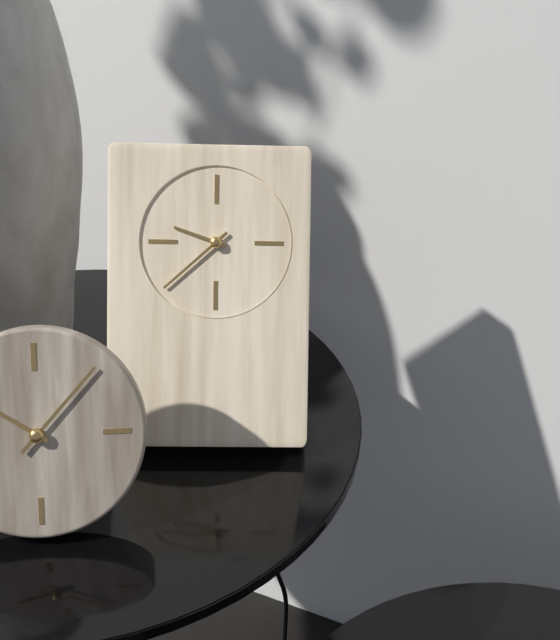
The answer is 9:38
